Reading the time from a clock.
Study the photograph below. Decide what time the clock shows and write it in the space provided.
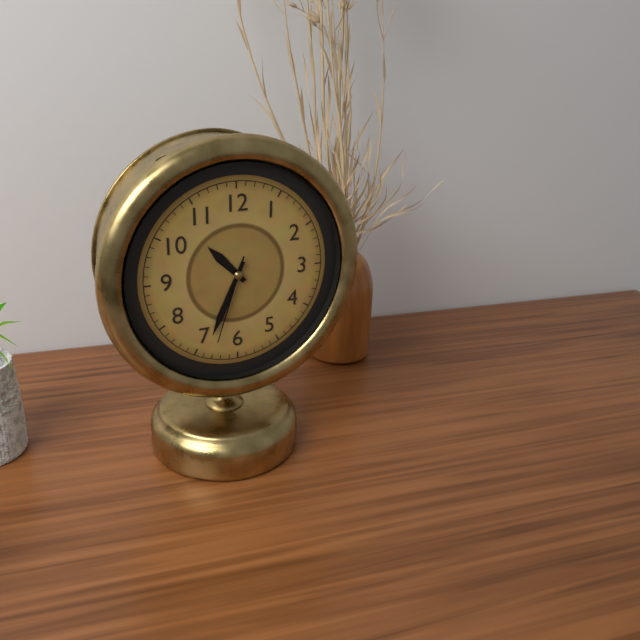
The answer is 10:34:33
